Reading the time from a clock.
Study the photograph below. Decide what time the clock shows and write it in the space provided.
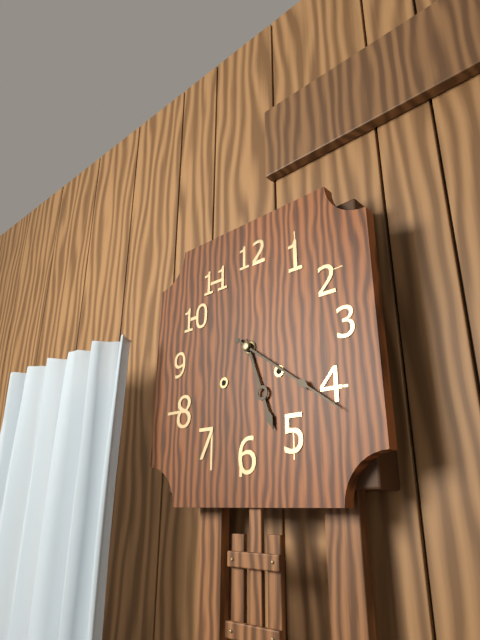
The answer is 5:21
